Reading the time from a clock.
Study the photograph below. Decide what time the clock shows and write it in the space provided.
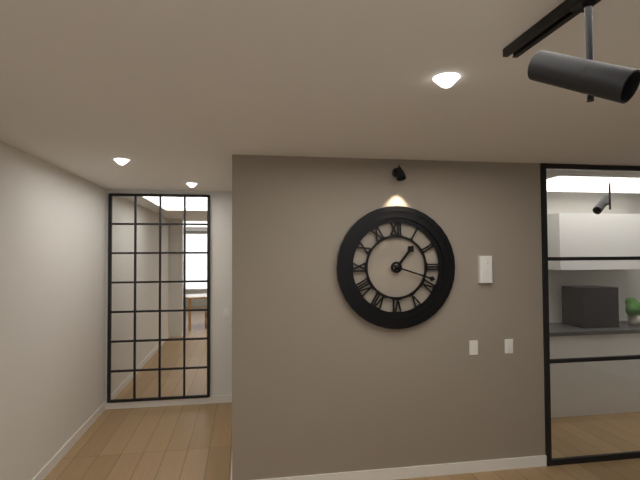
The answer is 1:18
